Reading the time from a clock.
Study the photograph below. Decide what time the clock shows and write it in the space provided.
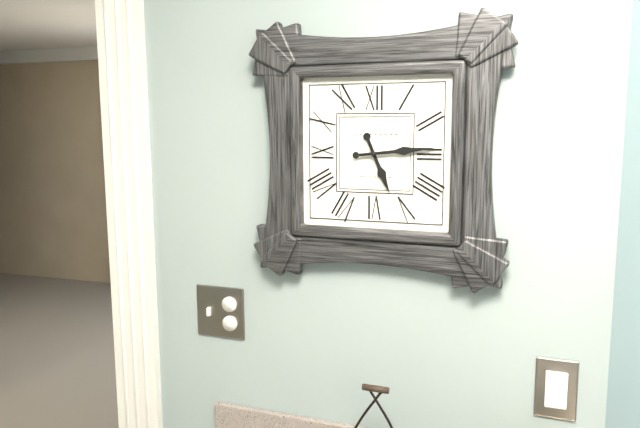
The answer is 5:14
